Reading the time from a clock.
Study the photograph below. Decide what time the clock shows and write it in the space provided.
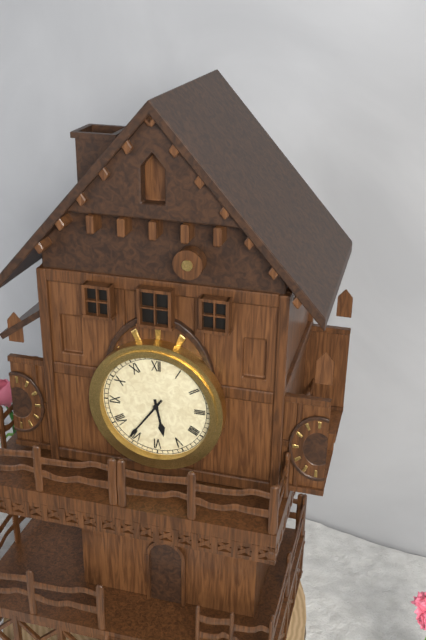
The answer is 5:36
